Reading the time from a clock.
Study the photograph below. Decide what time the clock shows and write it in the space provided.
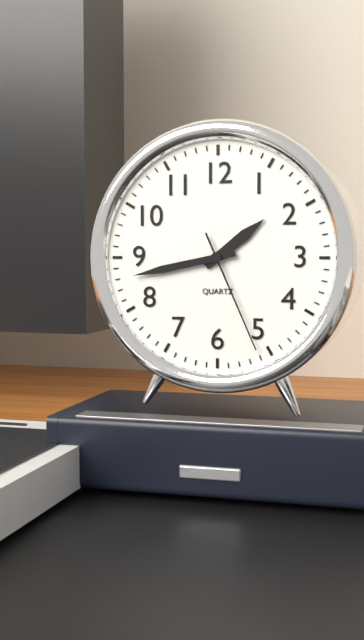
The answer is 1:43:26
